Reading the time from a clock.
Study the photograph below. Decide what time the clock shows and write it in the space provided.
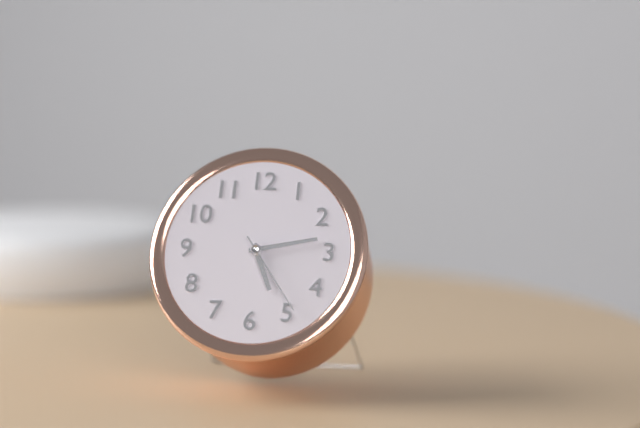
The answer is 5:13:24
